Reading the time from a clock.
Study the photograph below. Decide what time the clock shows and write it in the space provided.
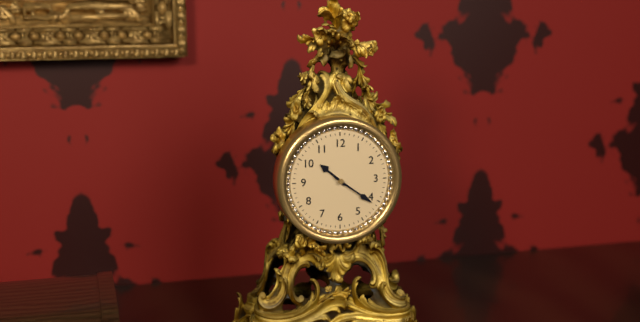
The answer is 10:21
